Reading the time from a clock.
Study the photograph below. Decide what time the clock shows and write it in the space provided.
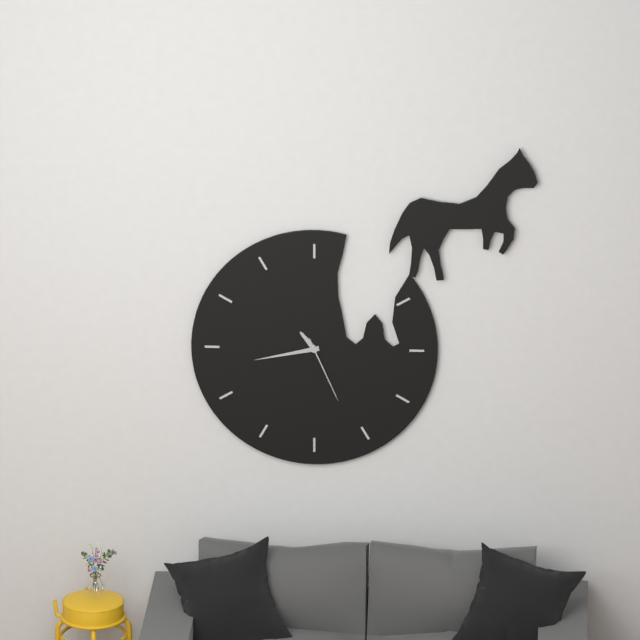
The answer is 10:43:26
